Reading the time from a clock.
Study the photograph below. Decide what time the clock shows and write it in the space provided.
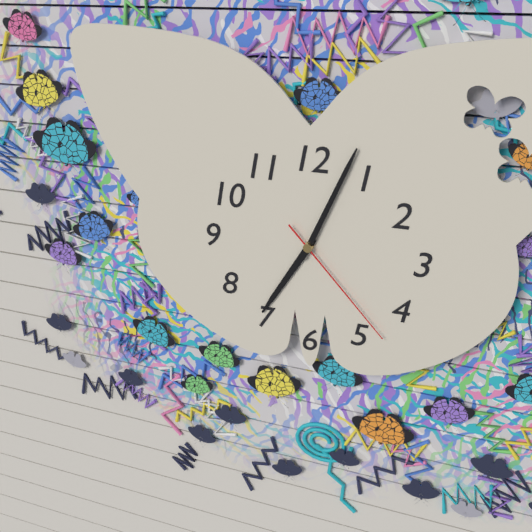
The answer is 7:04:23
